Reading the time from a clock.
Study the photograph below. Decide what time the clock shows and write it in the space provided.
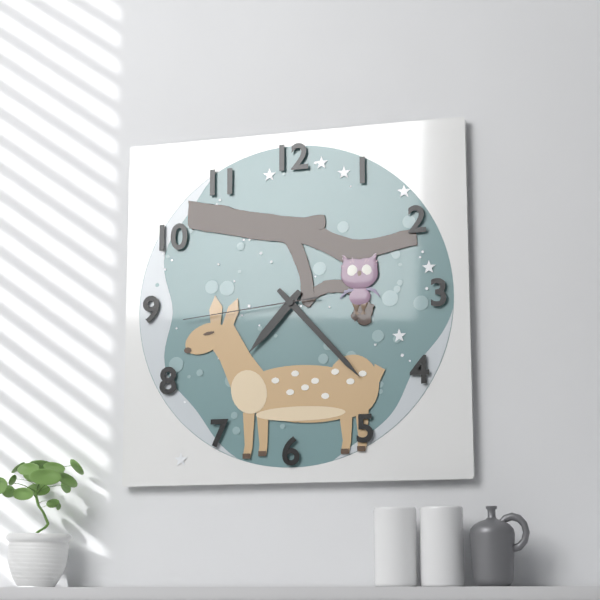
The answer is 7:23:44
